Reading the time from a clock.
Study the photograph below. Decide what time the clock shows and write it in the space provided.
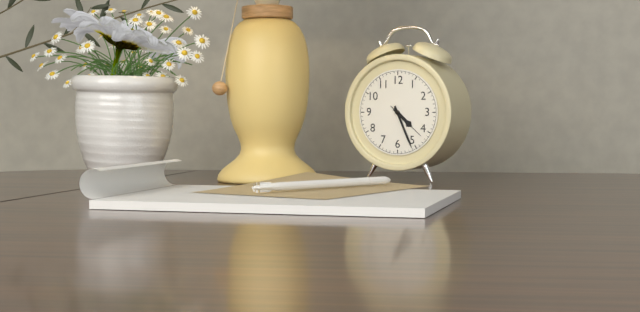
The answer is 4:26
